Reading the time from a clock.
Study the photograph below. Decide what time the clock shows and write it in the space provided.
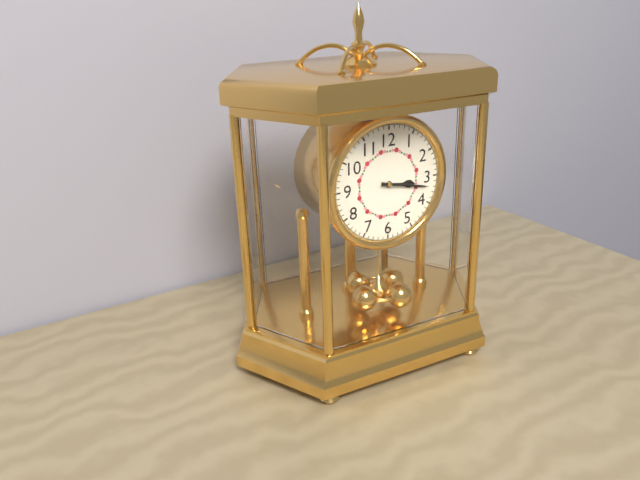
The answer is 3:17
